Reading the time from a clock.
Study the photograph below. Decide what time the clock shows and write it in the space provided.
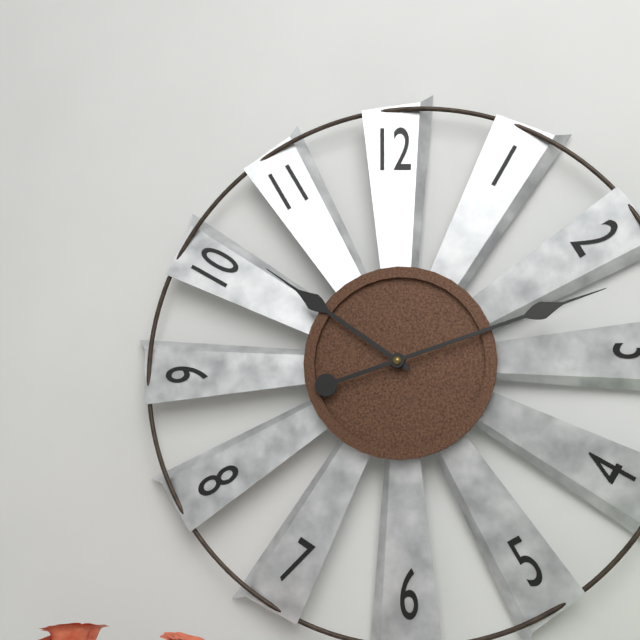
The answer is 10:12
